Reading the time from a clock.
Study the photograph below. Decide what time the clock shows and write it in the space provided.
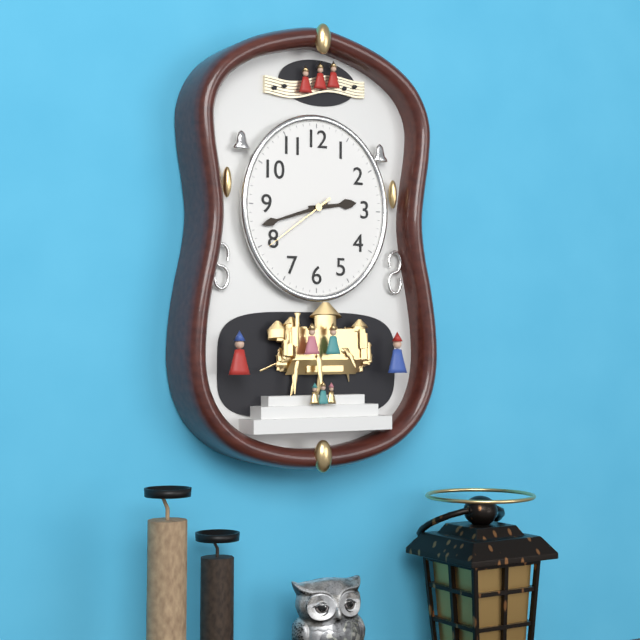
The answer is 2:42:39
